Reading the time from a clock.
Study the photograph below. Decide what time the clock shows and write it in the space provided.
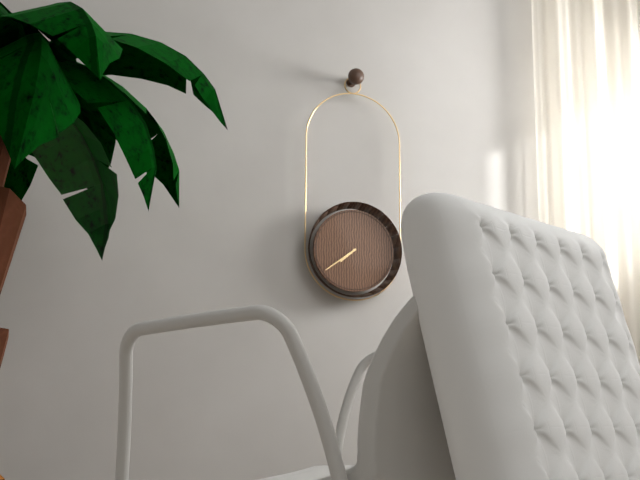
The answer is 7:39
